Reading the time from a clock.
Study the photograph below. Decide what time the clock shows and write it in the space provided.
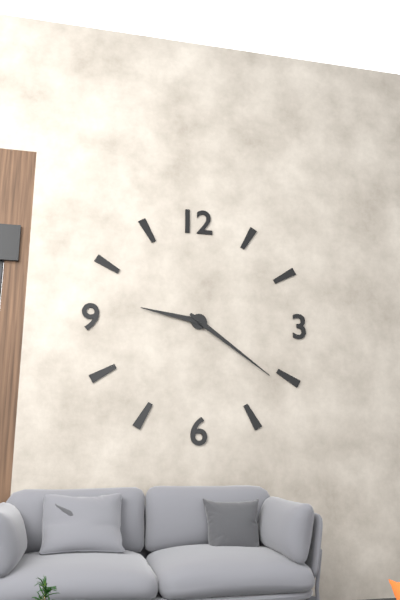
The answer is 9:21
